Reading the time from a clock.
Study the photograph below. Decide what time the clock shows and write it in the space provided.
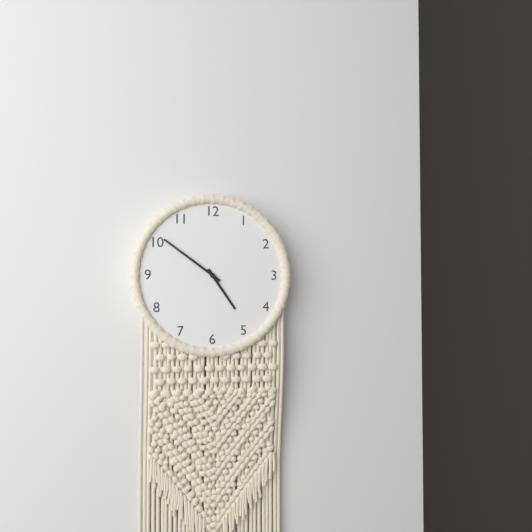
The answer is 4:51
